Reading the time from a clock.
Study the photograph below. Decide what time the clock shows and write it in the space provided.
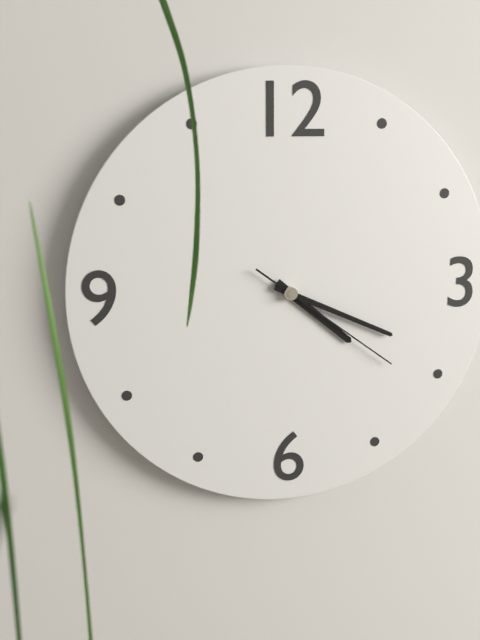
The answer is 4:19:21
